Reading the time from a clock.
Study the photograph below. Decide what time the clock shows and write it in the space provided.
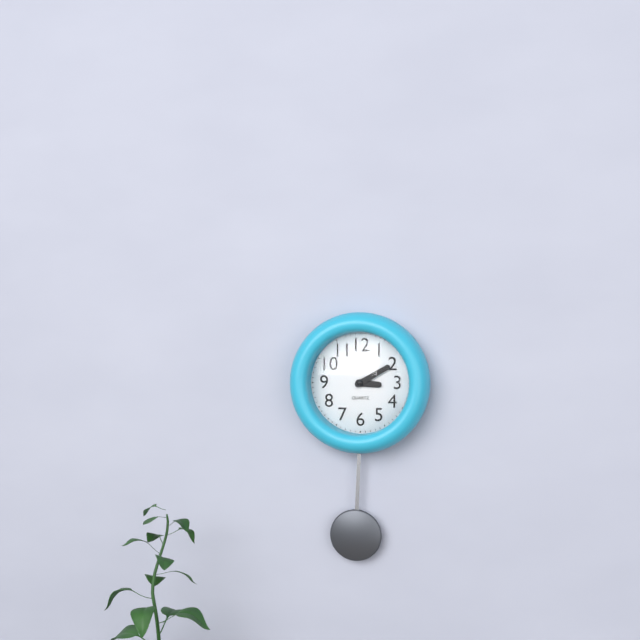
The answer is 3:10
